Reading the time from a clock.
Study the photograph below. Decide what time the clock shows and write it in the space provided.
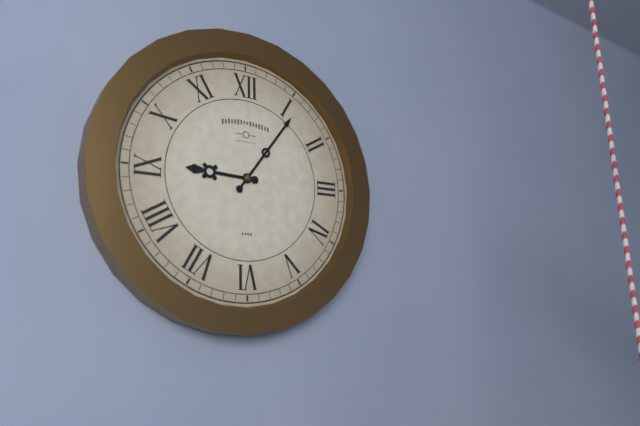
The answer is 9:06
